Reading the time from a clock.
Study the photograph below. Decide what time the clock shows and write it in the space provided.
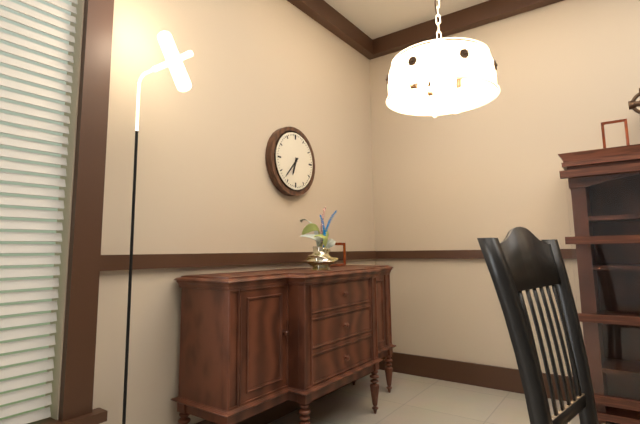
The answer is 6:37
